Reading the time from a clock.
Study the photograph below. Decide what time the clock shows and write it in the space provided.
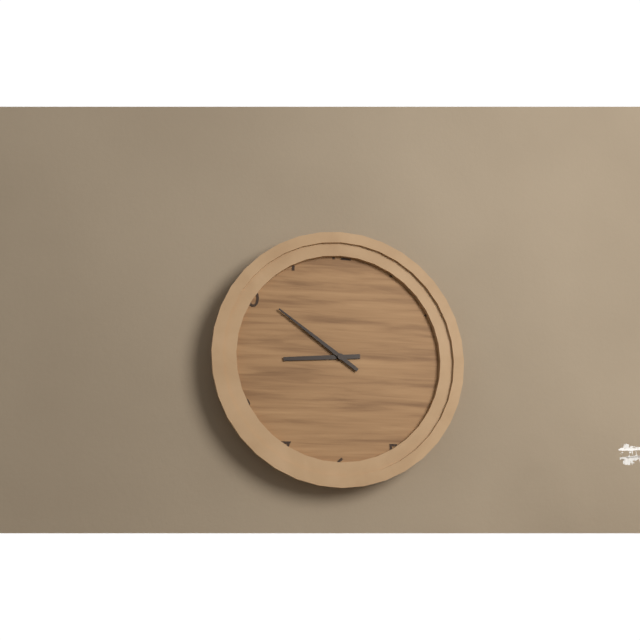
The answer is 8:51
